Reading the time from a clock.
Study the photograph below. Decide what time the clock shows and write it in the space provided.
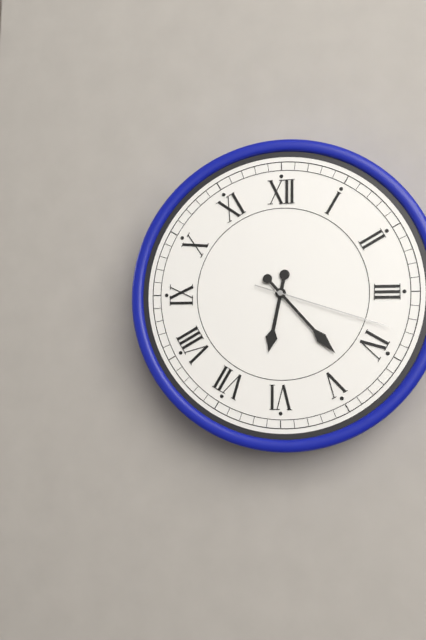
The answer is 6:23:18
